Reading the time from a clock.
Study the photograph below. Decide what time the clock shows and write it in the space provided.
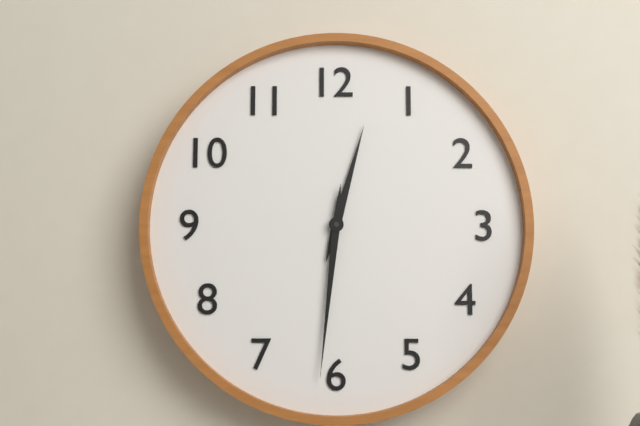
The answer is 12:31
